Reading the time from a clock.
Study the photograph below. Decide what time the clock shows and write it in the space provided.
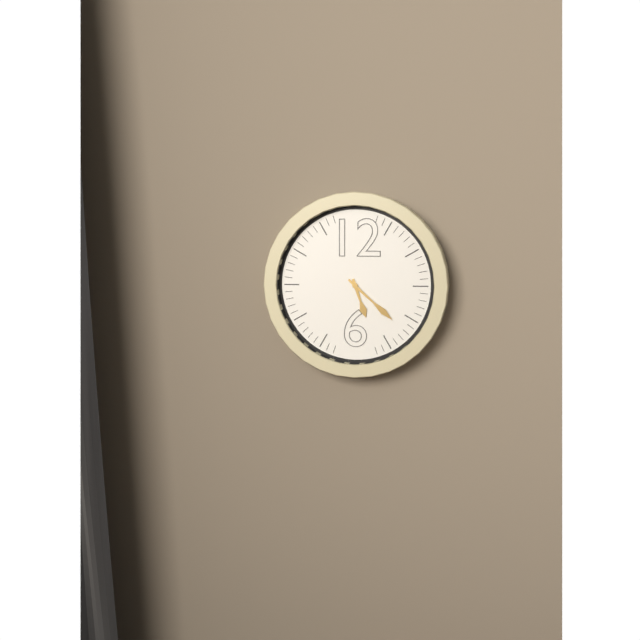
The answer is 5:22
